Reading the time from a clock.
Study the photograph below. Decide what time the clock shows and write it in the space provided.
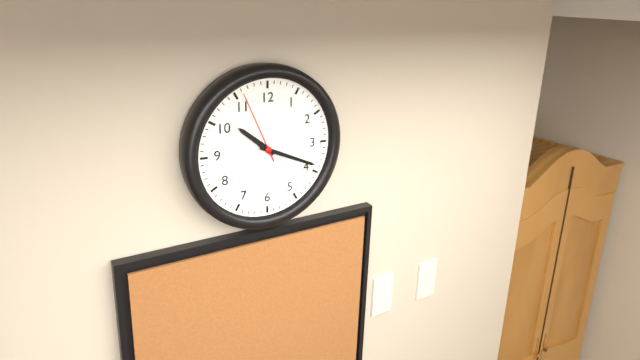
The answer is 10:19:56
